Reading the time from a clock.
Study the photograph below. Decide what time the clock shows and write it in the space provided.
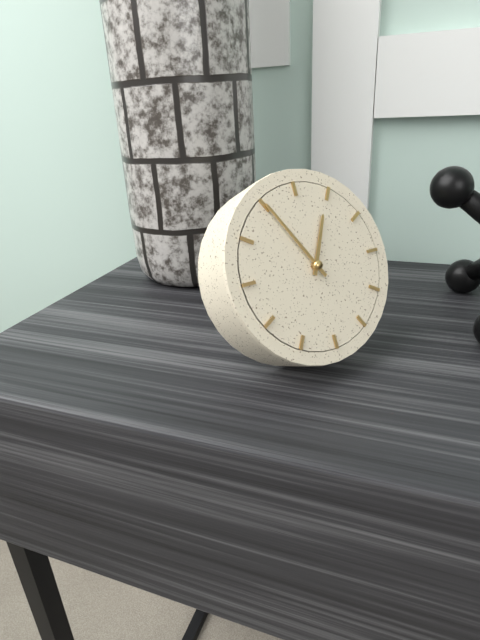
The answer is 12:55
